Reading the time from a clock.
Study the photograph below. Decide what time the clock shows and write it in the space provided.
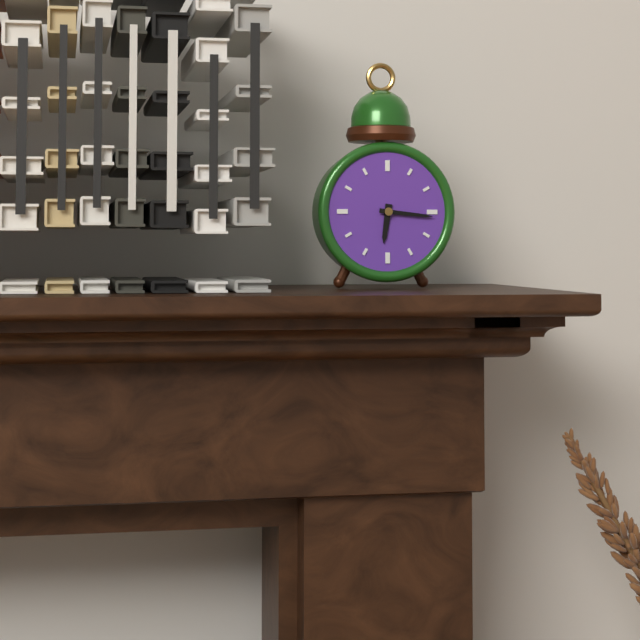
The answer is 6:16
